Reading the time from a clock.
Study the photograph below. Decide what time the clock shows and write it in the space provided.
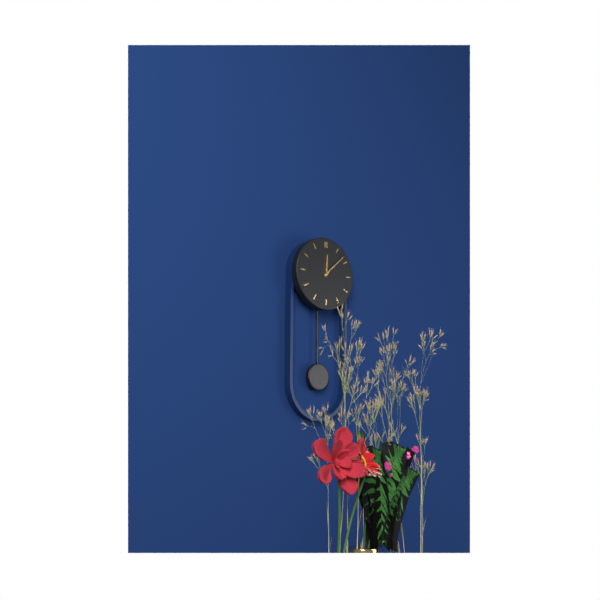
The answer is 12:08
